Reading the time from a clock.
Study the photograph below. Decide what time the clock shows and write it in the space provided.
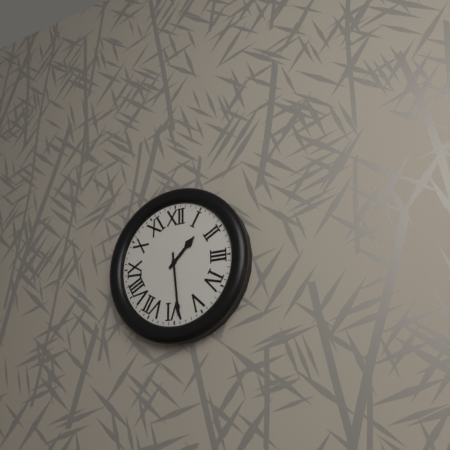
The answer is 1:29
